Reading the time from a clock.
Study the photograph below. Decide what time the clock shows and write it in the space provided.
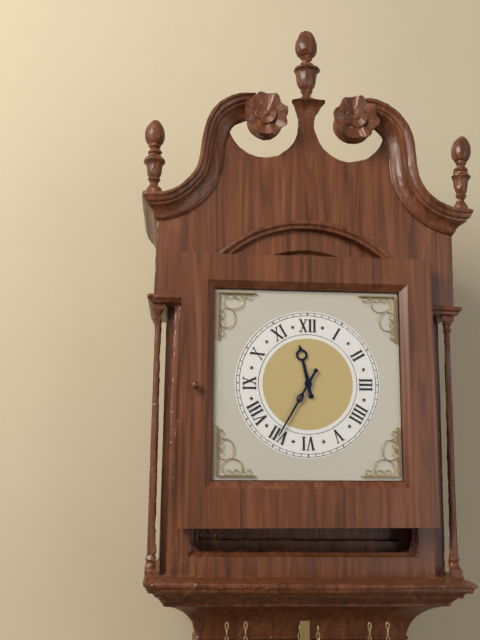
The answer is 11:35
